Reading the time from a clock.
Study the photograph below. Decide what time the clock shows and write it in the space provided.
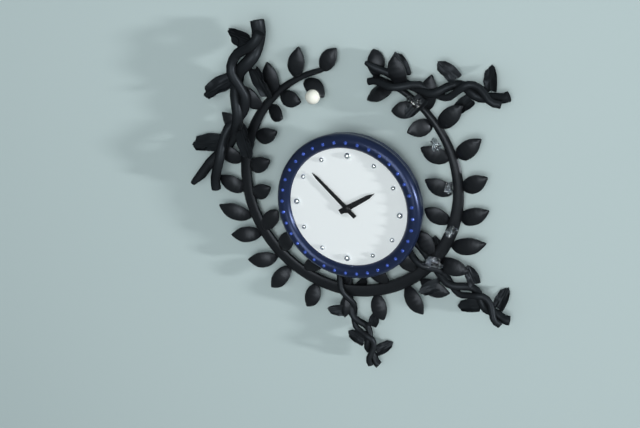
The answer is 1:52
